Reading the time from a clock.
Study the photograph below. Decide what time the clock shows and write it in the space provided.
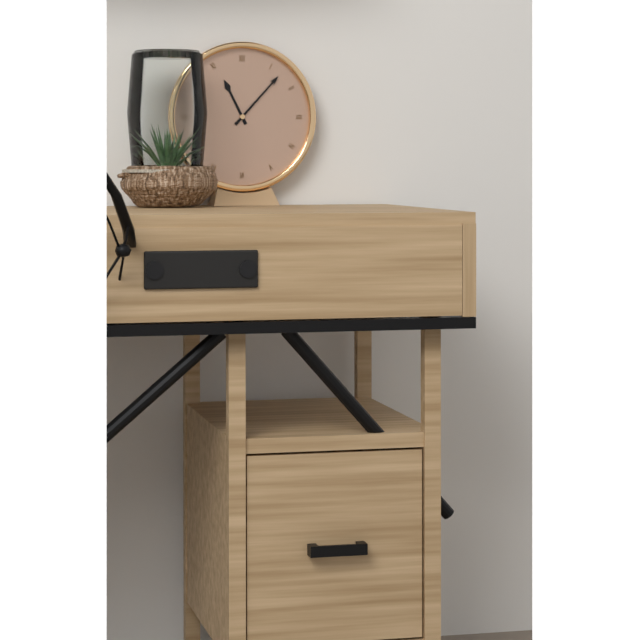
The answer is 11:07
